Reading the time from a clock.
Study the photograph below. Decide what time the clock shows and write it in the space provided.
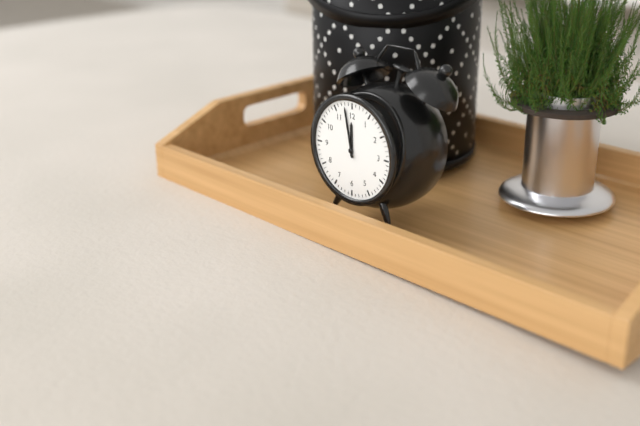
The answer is 11:58
